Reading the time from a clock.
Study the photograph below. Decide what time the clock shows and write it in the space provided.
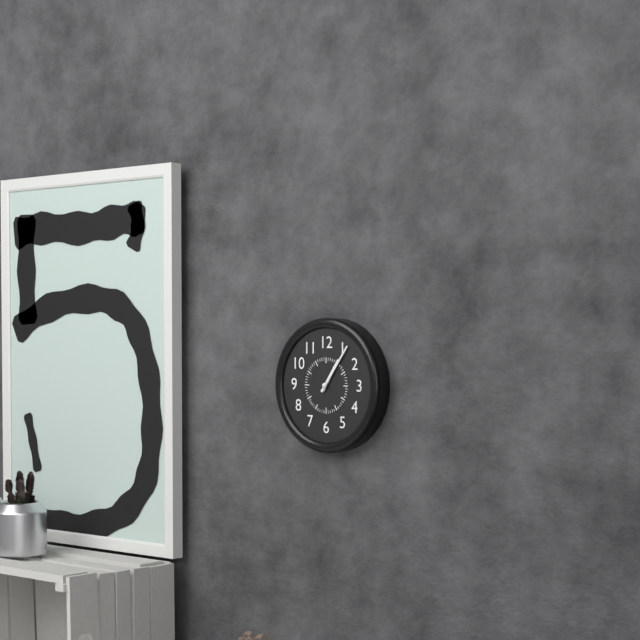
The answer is 1:06
